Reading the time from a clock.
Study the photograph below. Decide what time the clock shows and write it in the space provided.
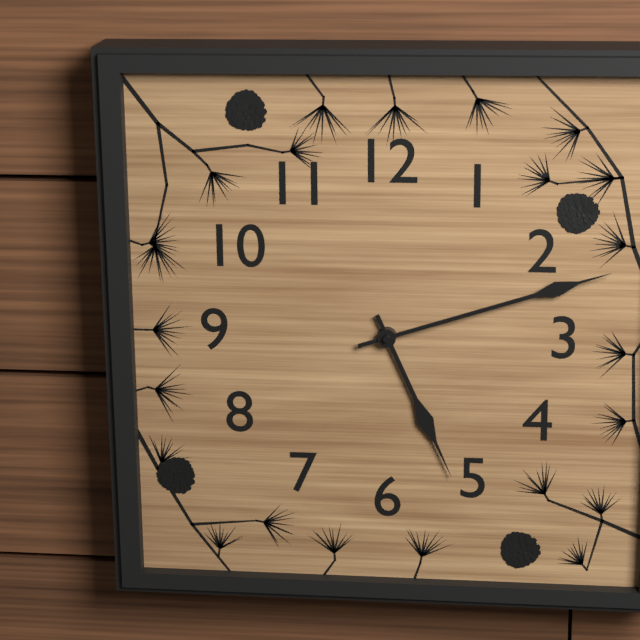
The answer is 5:12
